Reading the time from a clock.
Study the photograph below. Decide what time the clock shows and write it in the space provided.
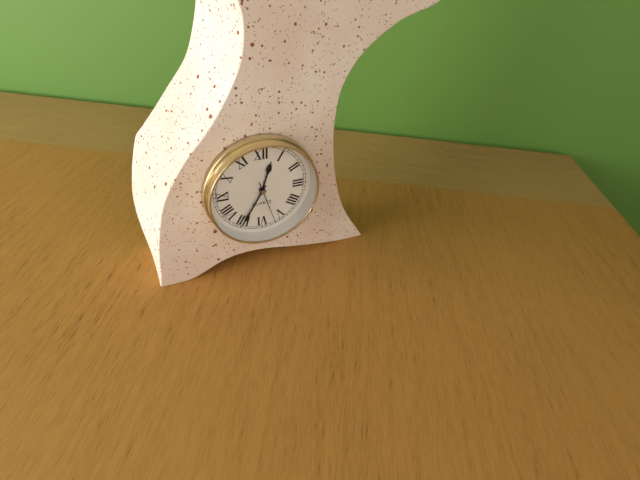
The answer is 12:35
